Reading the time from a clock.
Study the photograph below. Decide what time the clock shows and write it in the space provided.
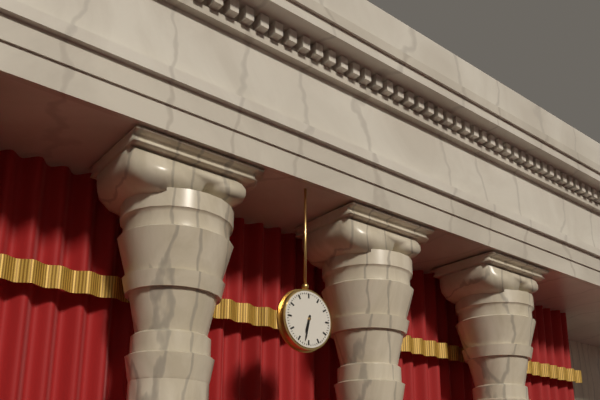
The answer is 6:32
